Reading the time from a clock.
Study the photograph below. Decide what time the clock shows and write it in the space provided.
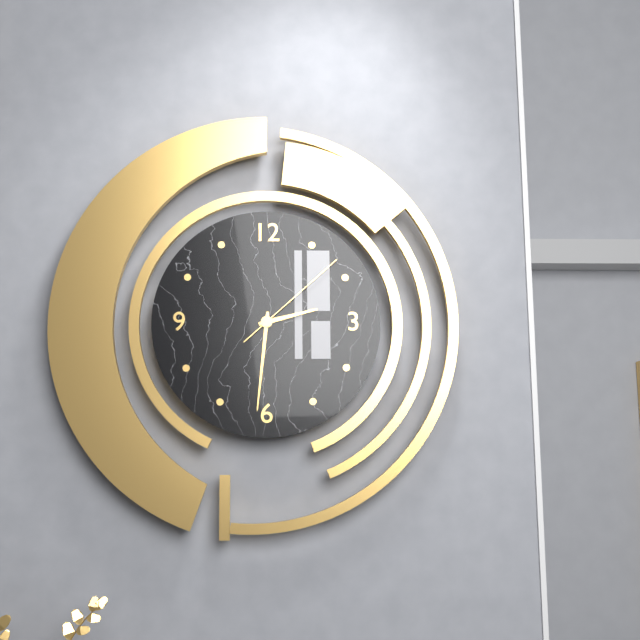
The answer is 2:31:08
